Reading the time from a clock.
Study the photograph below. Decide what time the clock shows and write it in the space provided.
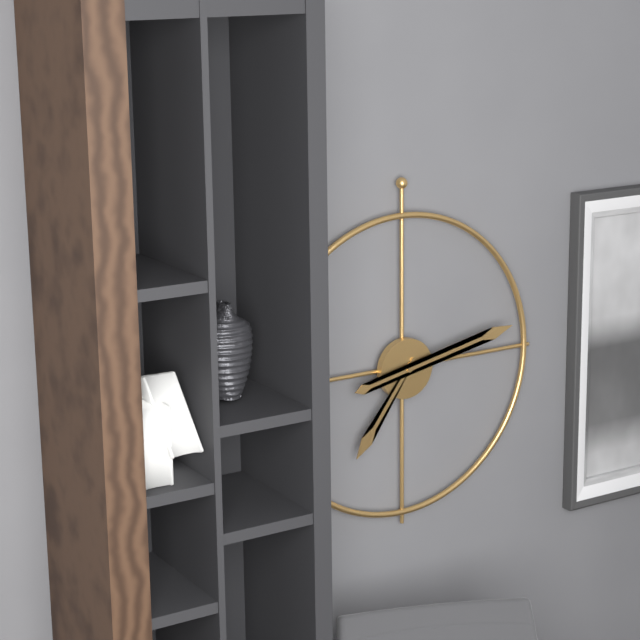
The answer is 7:13
